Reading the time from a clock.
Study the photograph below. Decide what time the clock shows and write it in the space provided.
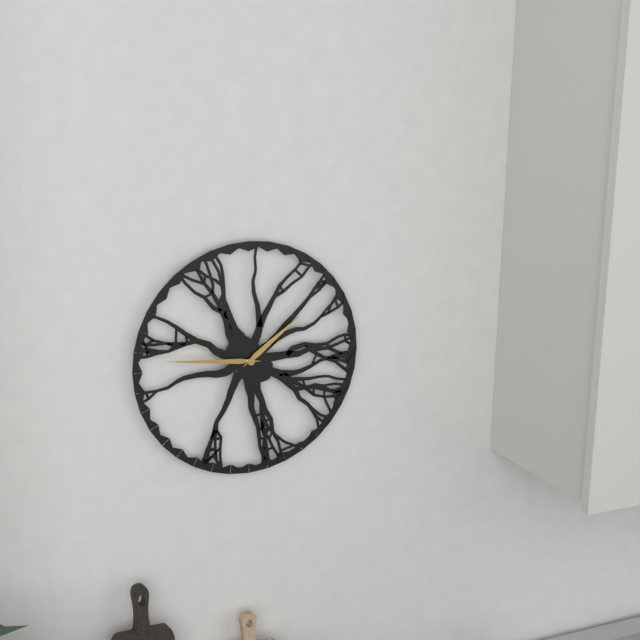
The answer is 1:46
